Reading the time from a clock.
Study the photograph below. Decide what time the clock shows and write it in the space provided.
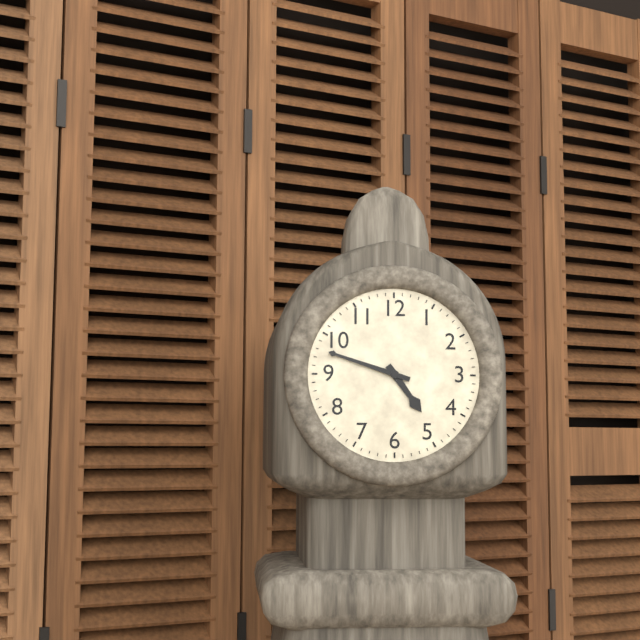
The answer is 4:48
